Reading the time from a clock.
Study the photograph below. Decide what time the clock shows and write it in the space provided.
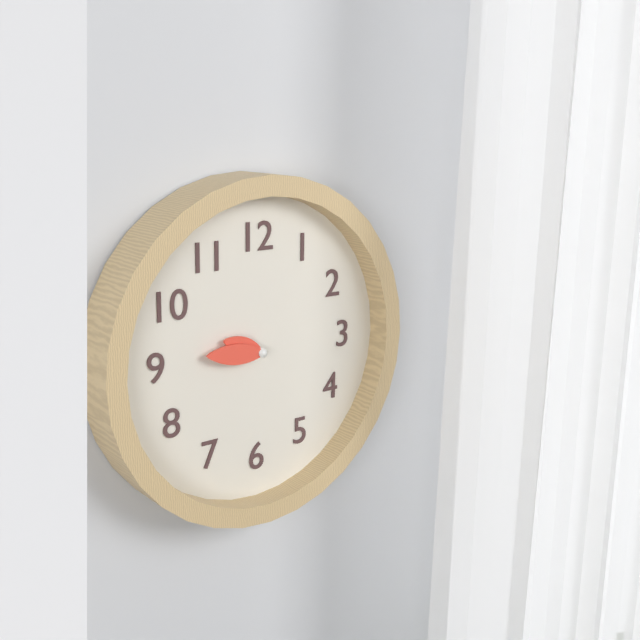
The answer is 9:46
